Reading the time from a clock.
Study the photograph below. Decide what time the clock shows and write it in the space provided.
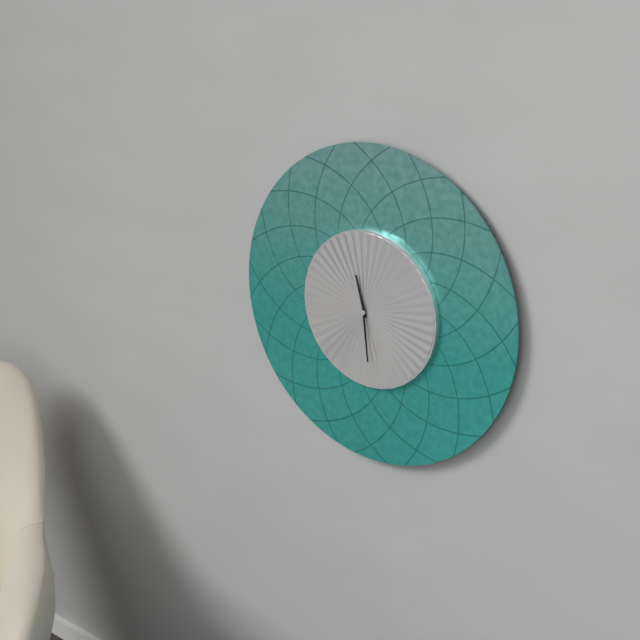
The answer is 11:29
